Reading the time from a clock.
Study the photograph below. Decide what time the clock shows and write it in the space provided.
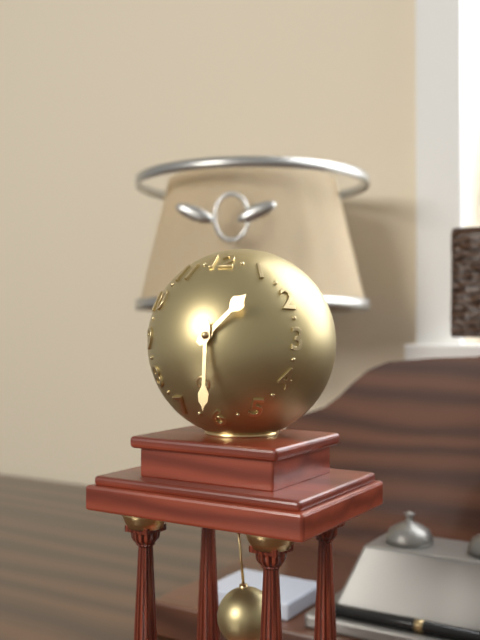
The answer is 1:30
